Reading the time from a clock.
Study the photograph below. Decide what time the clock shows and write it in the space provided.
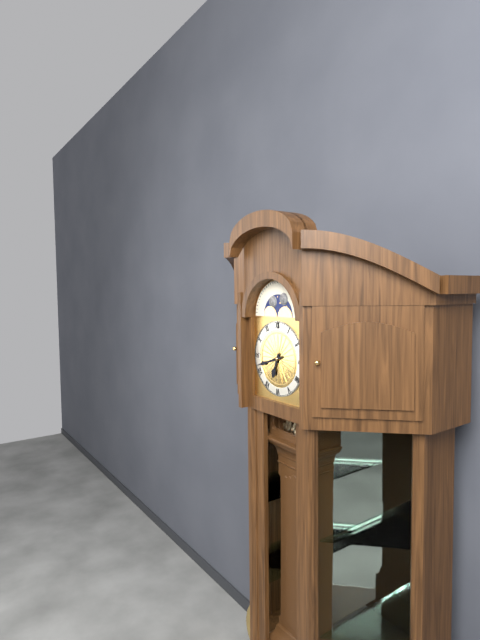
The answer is 6:42
